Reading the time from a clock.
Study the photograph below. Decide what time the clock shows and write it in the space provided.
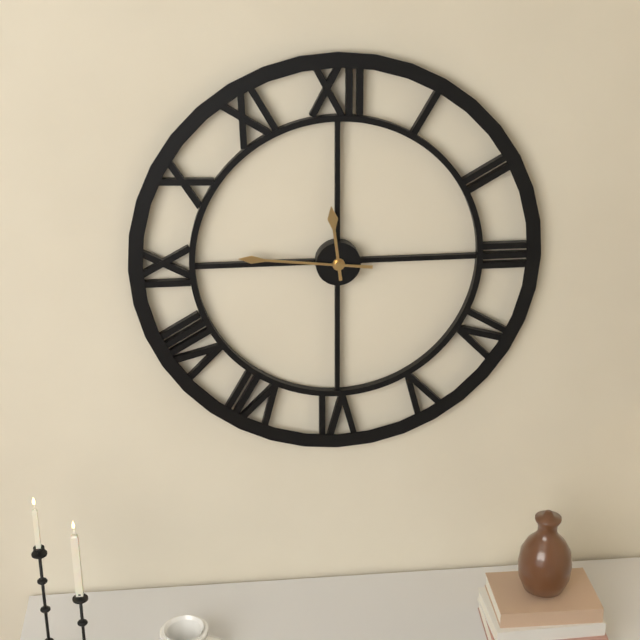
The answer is 11:46
